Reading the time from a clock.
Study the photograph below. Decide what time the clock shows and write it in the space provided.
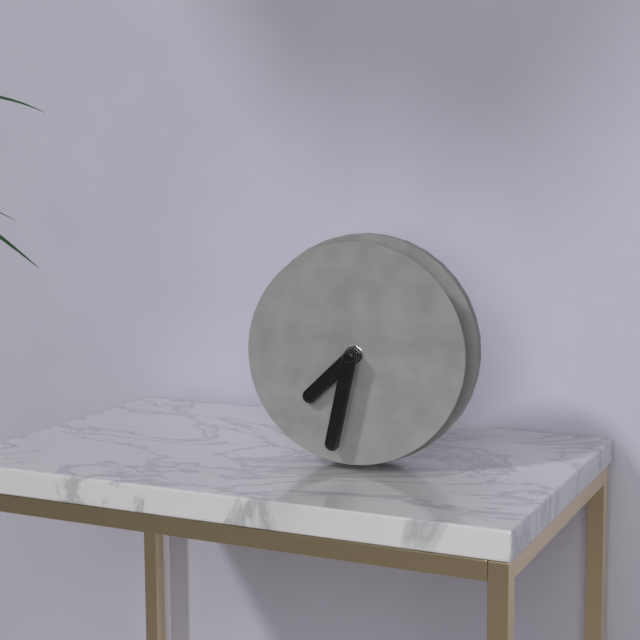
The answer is 7:32
